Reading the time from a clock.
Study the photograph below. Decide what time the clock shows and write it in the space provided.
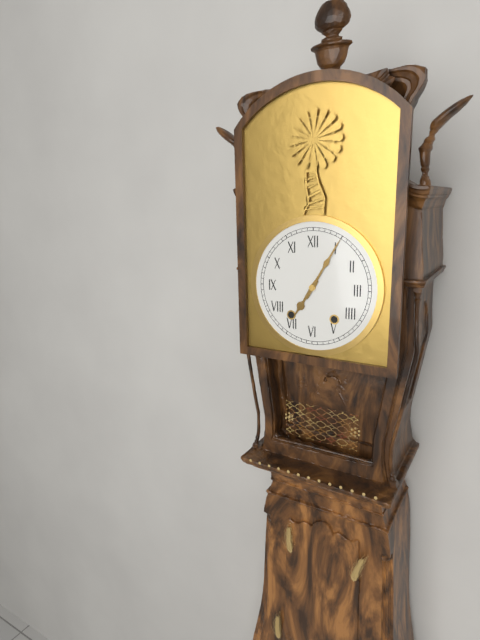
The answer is 7:05
